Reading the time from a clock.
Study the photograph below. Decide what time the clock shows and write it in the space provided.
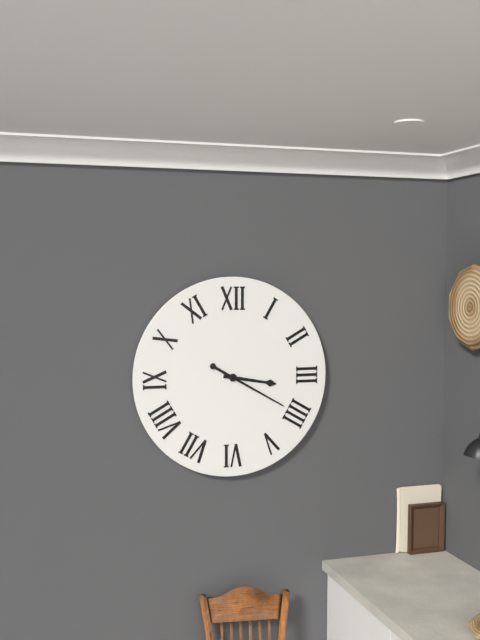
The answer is 3:20
